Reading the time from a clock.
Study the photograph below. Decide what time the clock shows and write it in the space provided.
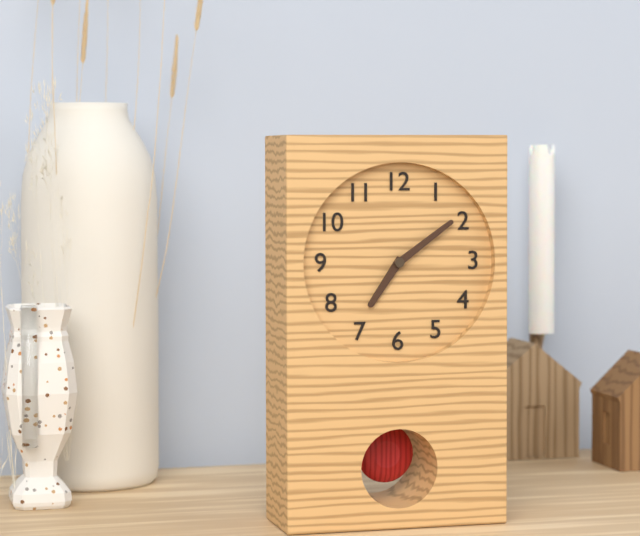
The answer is 7:09
